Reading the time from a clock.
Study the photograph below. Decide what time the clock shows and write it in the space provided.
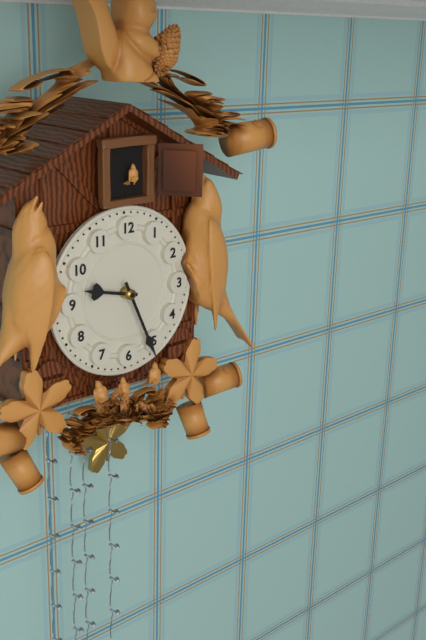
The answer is 9:26
